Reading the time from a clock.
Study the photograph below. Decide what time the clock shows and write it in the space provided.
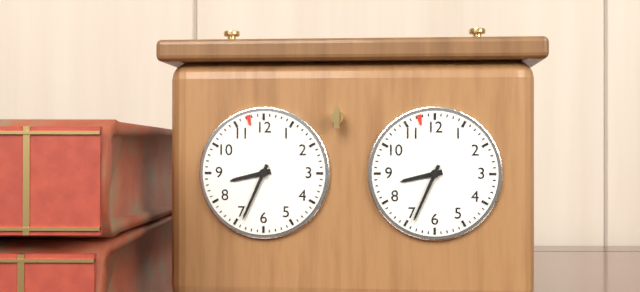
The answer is 8:34
